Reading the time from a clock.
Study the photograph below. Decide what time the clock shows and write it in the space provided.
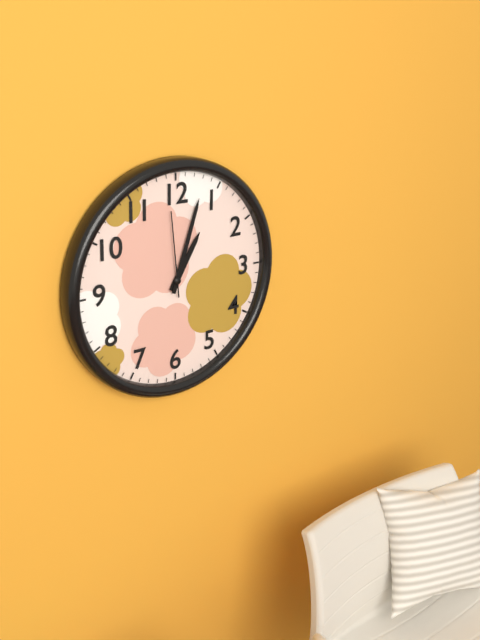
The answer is 1:03:59
